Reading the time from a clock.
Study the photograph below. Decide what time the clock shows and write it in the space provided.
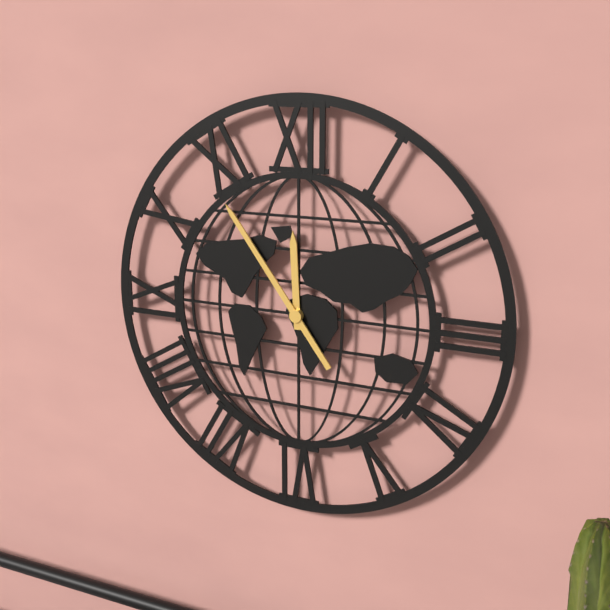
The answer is 11:54
